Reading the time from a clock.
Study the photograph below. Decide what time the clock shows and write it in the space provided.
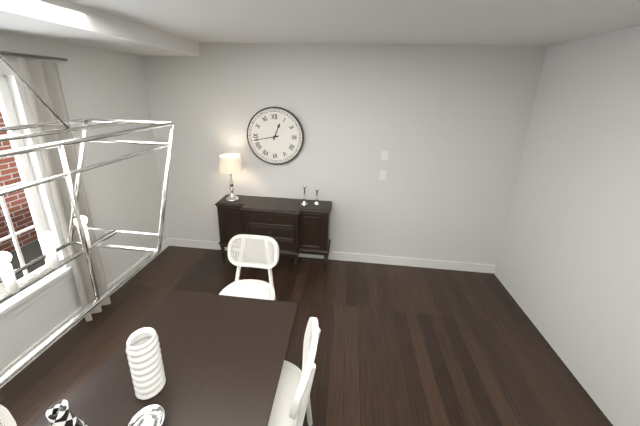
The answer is 12:43
